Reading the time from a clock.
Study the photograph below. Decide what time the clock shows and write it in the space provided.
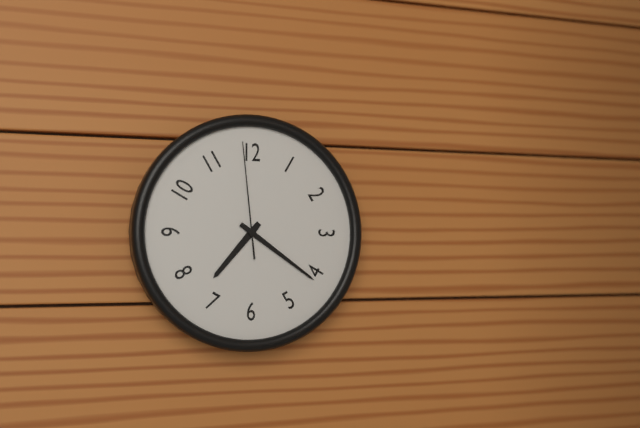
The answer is 7:21:59
